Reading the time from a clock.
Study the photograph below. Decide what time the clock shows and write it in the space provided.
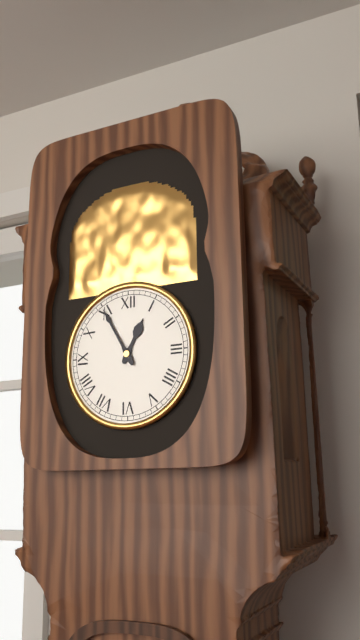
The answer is 12:55
